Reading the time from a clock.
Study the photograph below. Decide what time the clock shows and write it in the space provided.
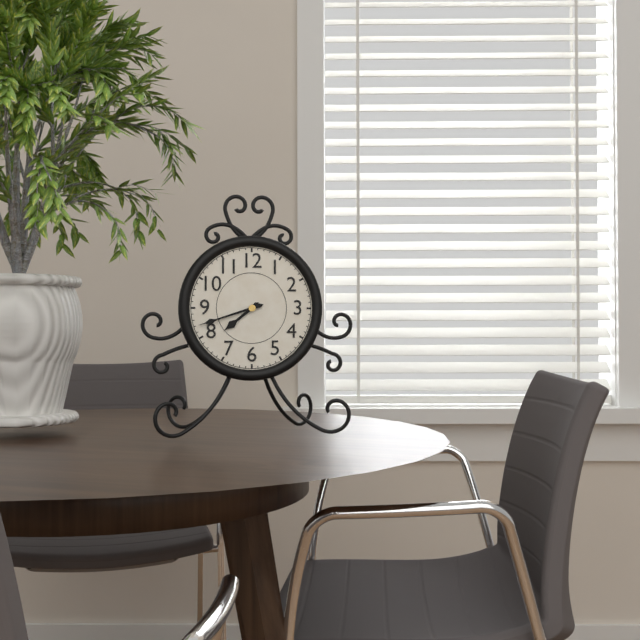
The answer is 7:42
